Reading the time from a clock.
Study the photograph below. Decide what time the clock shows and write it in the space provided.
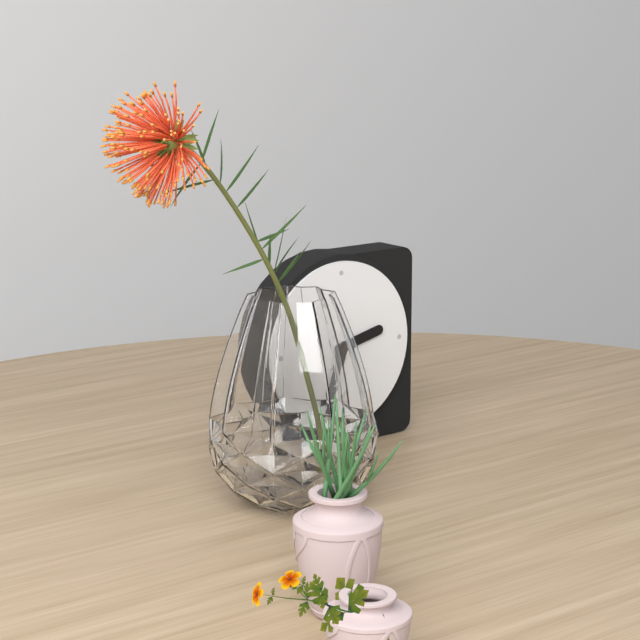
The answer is 2:33
